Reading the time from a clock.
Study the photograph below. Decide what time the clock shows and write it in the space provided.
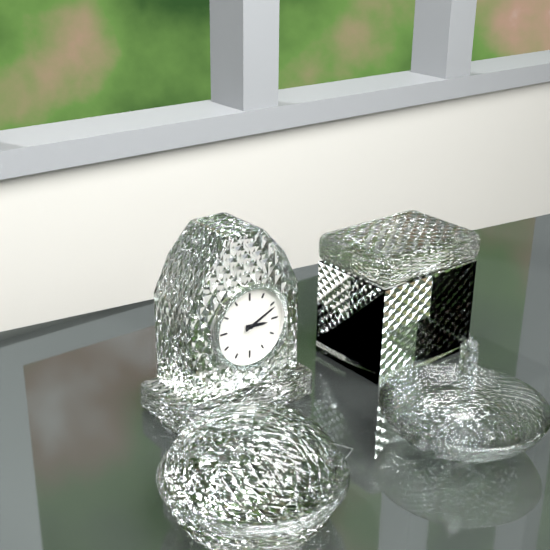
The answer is 3:11
